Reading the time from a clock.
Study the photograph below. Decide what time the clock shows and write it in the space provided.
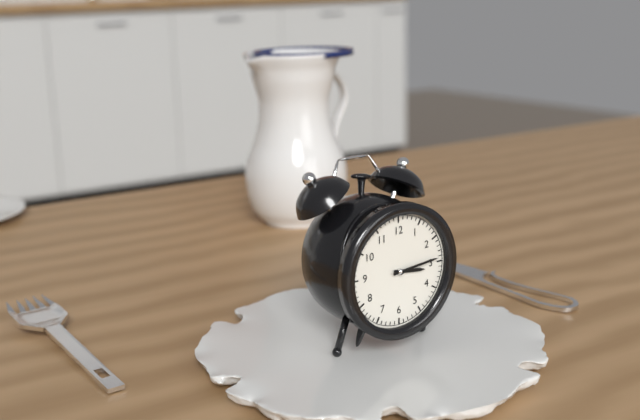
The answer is 3:14
